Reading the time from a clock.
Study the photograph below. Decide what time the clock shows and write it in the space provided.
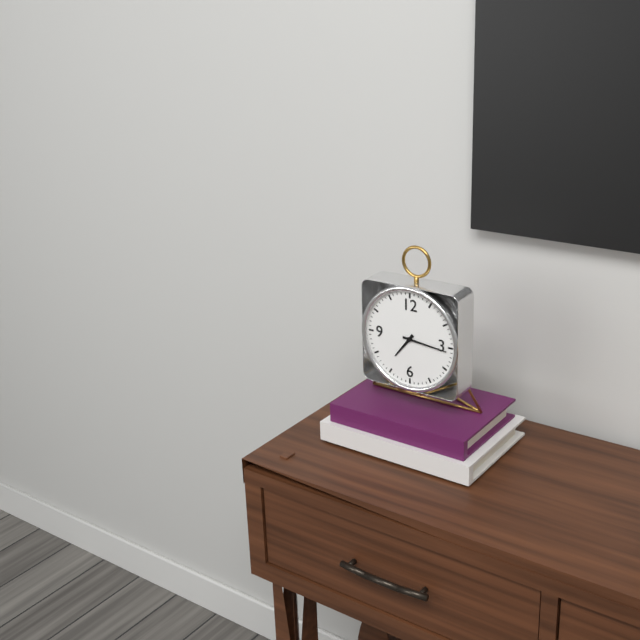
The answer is 7:16
